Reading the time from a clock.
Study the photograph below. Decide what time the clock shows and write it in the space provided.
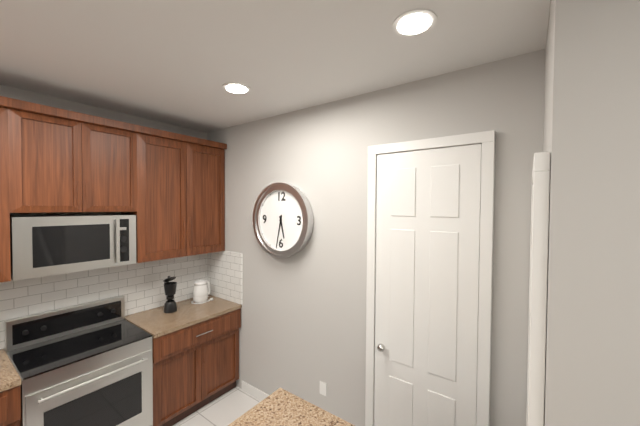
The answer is 5:32
